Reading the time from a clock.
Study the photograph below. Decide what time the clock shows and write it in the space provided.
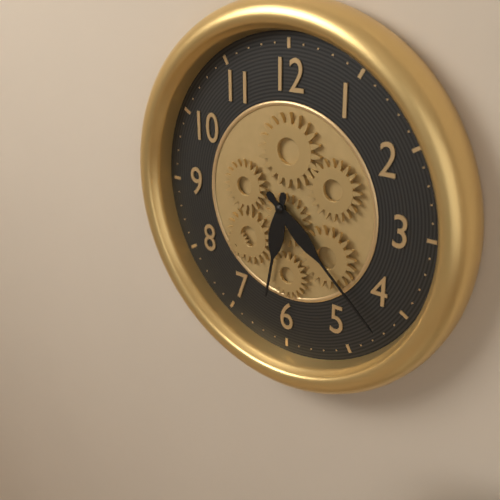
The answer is 6:22
